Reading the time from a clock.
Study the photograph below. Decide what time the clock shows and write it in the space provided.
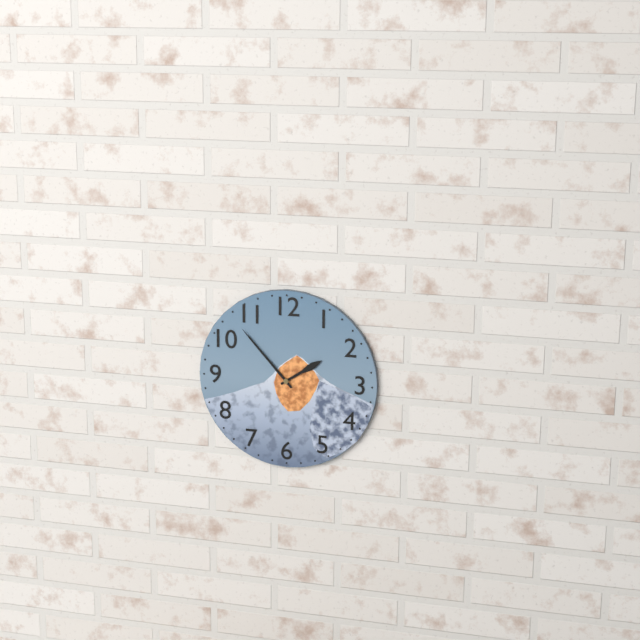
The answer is 1:53
